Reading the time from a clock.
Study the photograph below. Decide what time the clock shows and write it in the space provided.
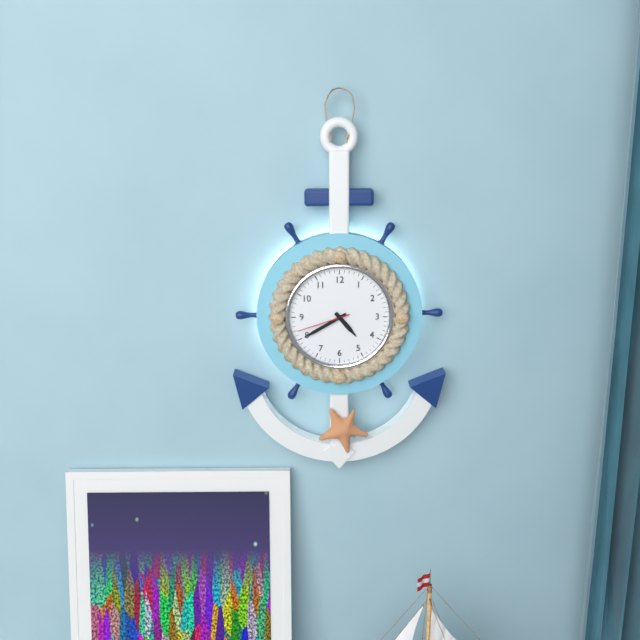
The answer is 4:40:42
